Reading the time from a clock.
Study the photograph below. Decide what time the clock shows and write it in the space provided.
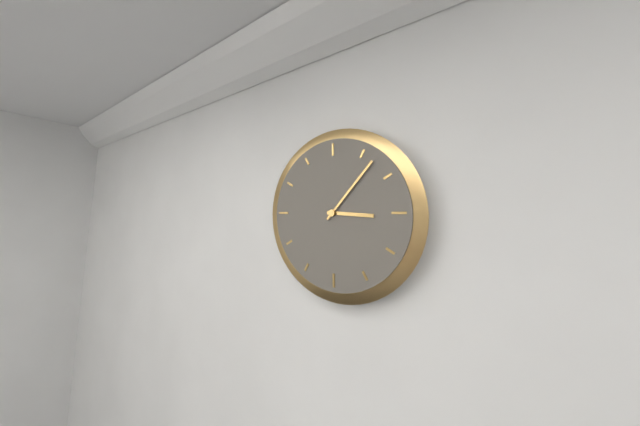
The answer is 3:07
